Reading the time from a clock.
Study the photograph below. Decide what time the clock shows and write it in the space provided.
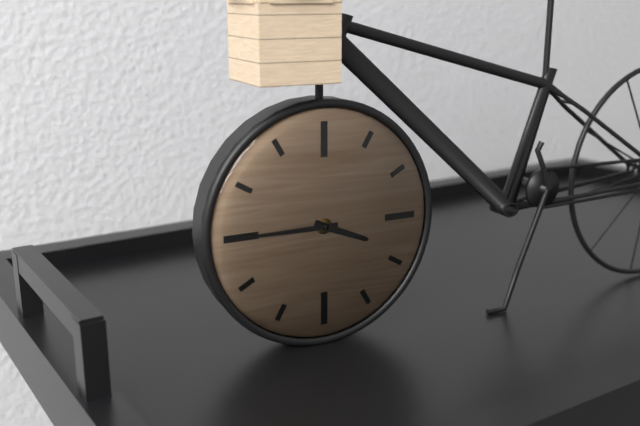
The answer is 3:45
